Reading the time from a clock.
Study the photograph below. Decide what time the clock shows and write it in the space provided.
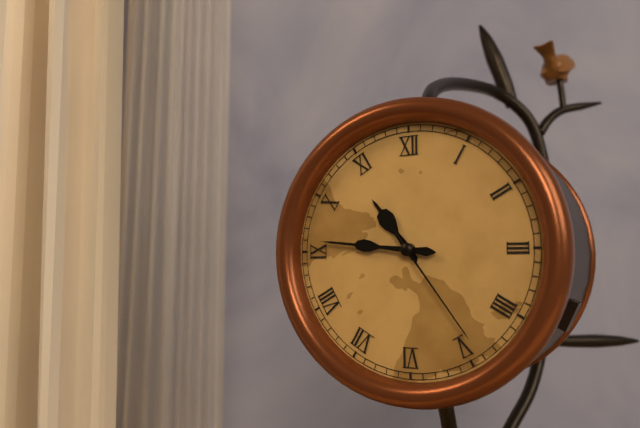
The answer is 10:46:24
